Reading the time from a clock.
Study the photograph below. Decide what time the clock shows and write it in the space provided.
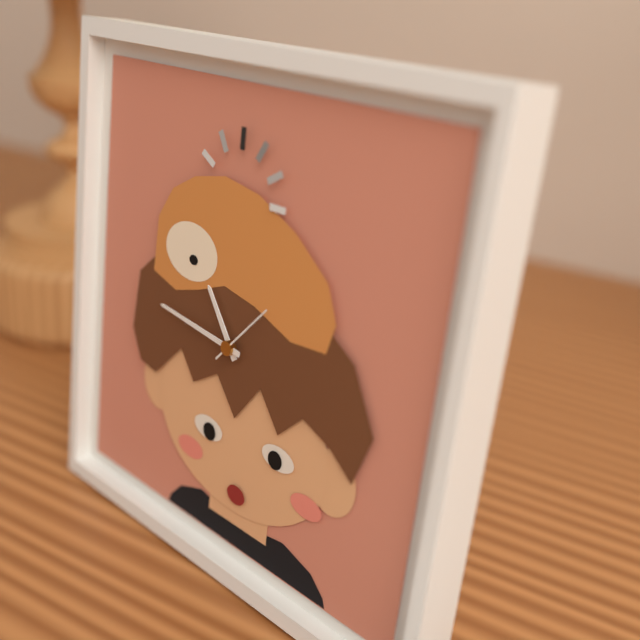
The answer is 10:46:07
